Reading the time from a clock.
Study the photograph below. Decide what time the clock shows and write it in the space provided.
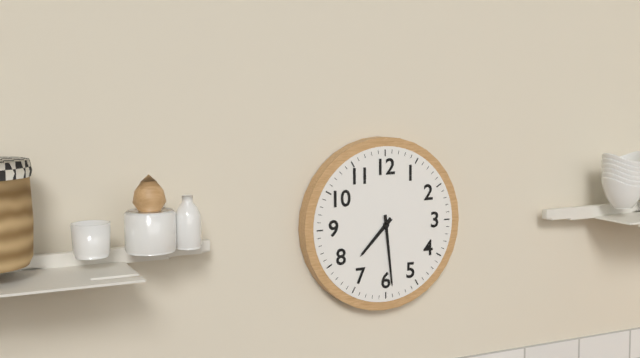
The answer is 7:29
